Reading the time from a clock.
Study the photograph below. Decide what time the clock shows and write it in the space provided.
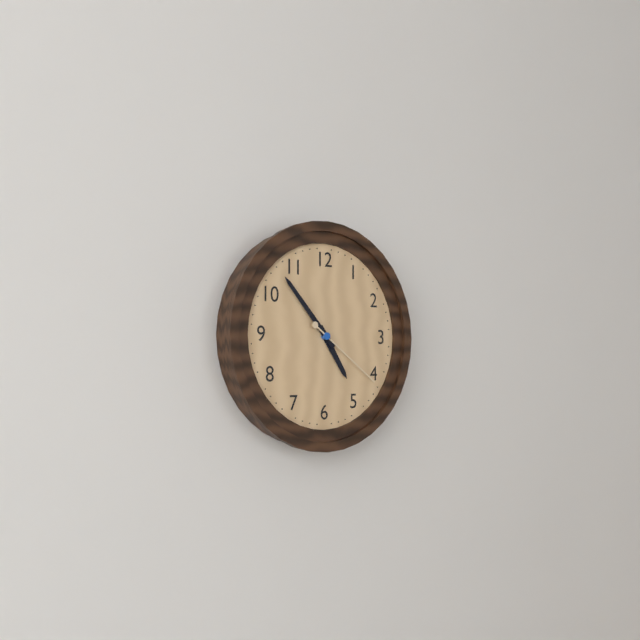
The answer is 4:53:21
